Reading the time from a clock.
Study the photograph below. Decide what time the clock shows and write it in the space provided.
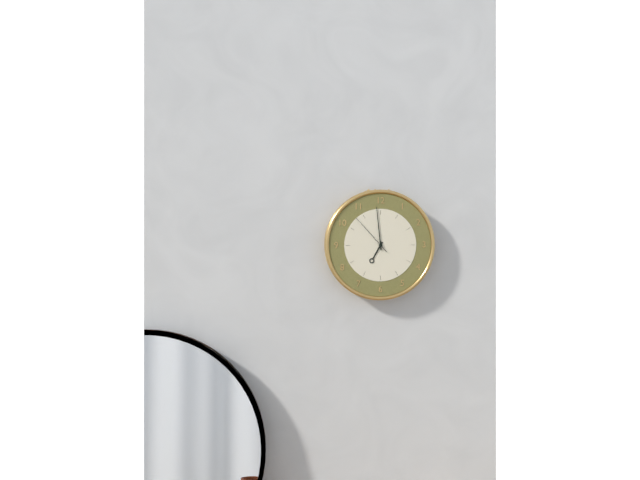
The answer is 6:59
